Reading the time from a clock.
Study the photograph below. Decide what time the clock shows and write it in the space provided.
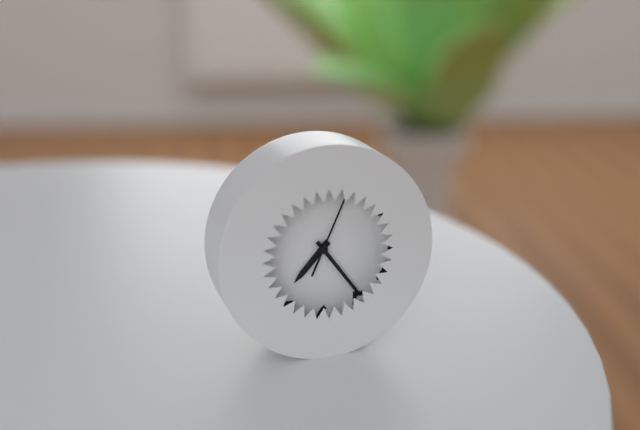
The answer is 7:24:04
